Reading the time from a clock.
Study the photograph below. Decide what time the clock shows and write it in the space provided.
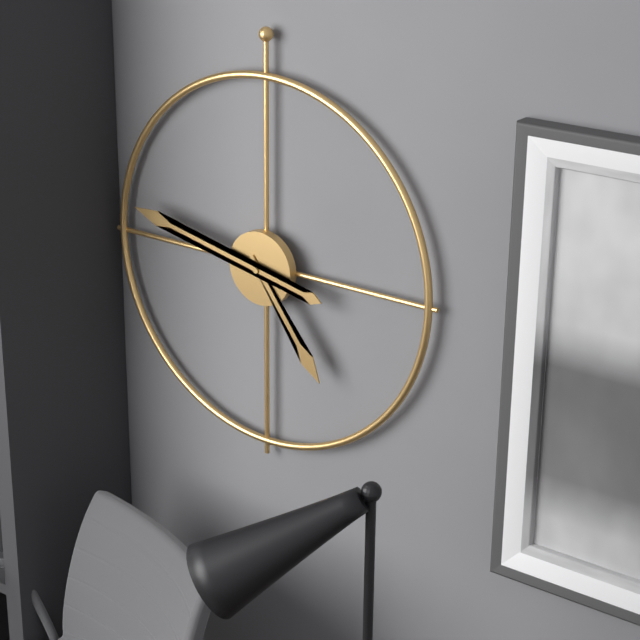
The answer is 4:47
